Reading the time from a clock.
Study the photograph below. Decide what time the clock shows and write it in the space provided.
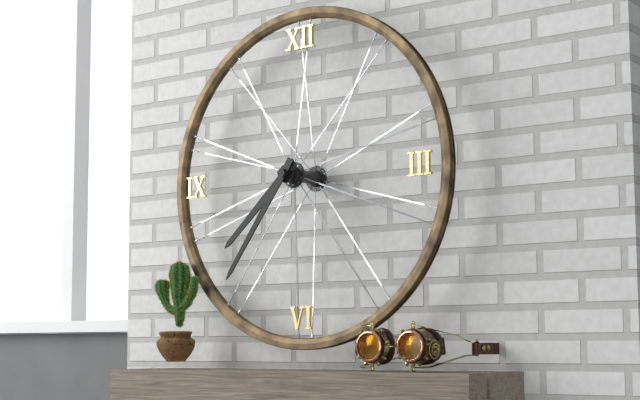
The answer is 7:36
